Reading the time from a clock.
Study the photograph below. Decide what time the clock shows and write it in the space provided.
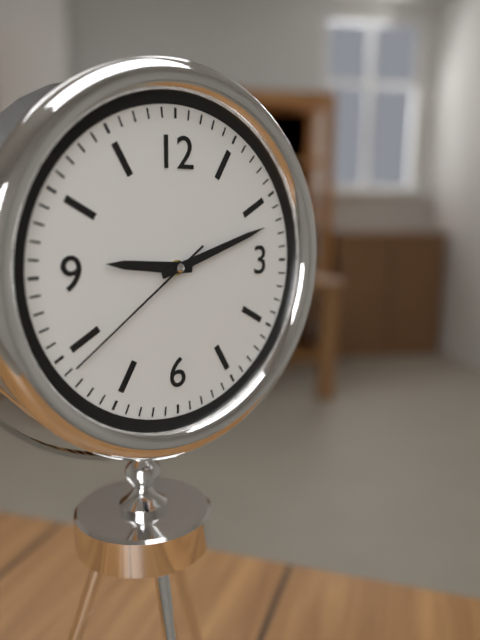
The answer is 9:12:39
